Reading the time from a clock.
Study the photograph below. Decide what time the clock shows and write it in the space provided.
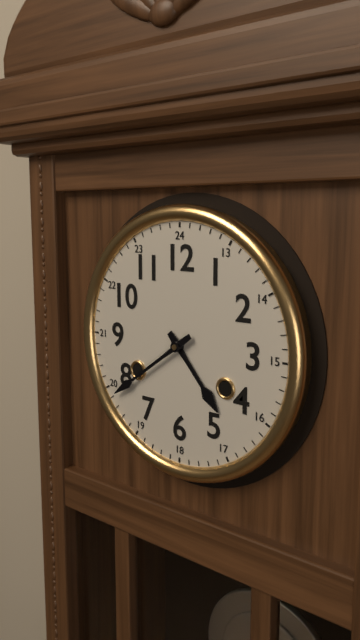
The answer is 4:39
